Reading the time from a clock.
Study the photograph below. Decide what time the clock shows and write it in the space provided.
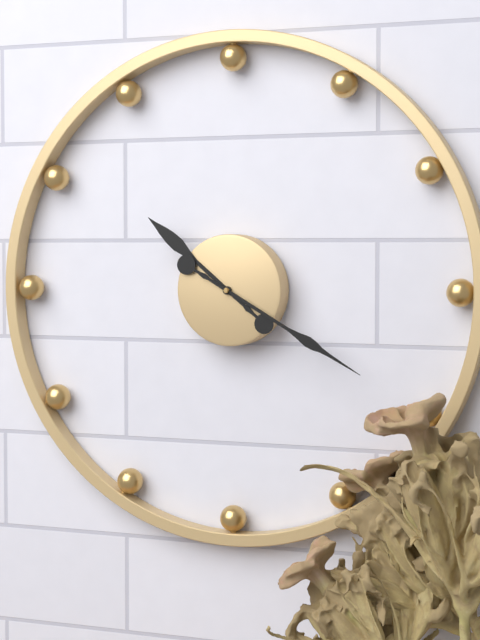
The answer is 10:20
